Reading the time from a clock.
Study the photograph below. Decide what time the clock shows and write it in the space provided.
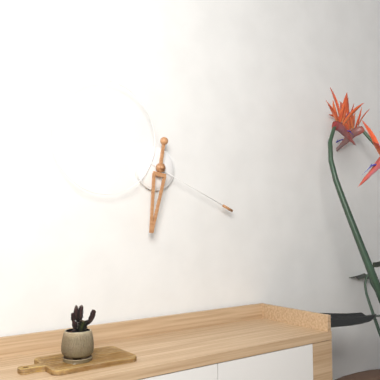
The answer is 6:19
